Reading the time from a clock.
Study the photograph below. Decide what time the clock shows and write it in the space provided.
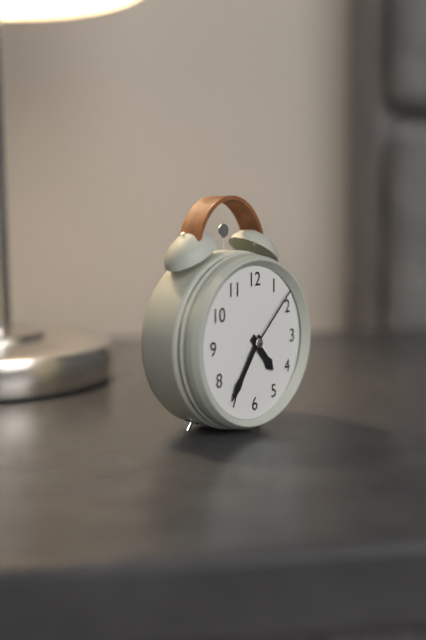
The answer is 4:36:08
